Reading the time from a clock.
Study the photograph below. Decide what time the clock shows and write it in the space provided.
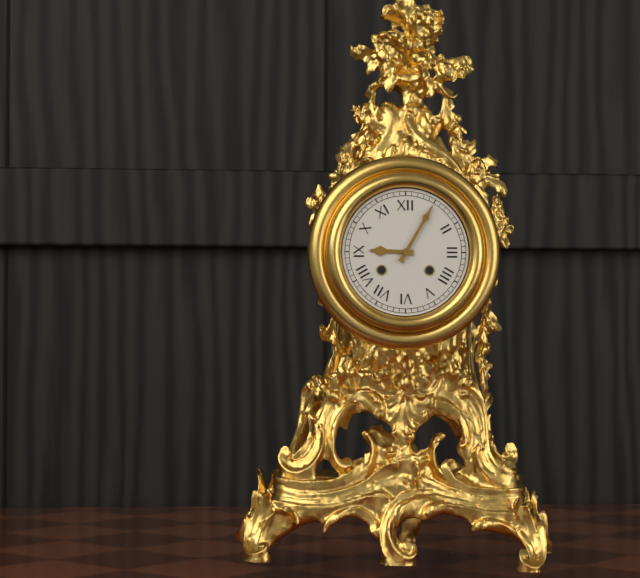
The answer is 9:05
